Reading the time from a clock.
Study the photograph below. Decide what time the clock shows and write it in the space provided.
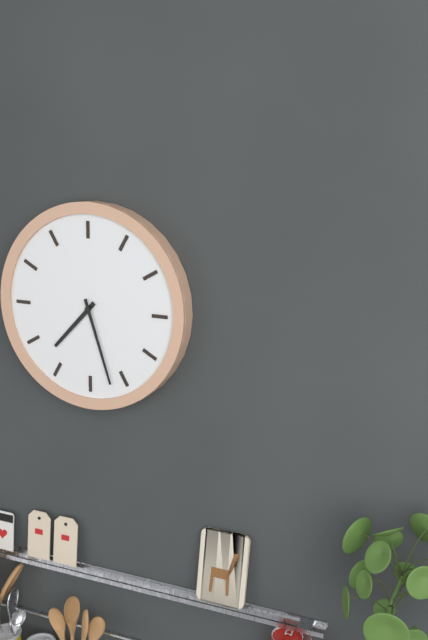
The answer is 7:27
